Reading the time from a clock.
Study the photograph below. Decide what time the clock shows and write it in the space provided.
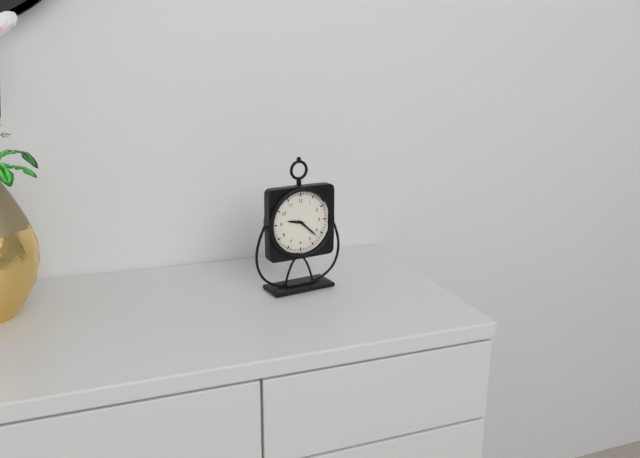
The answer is 9:22
